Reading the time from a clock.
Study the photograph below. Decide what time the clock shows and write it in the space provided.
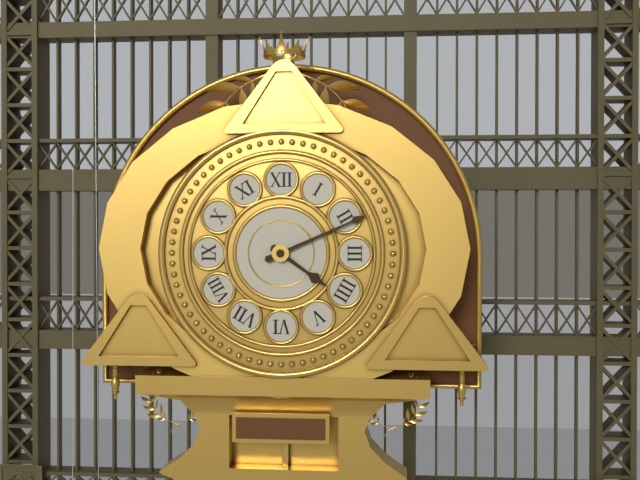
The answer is 4:11
